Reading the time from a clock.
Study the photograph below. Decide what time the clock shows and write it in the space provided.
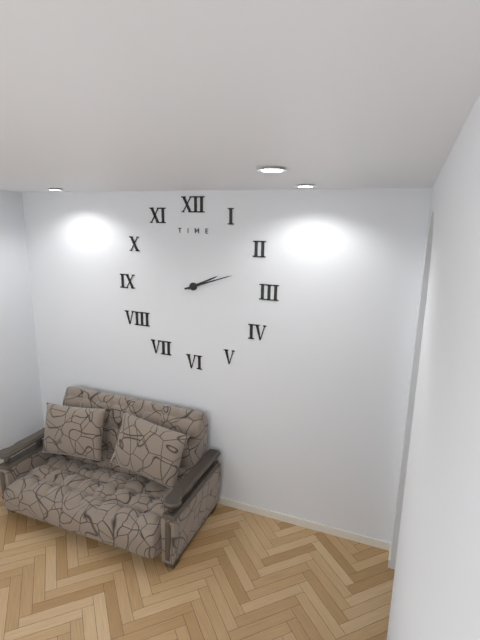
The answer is 2:12
